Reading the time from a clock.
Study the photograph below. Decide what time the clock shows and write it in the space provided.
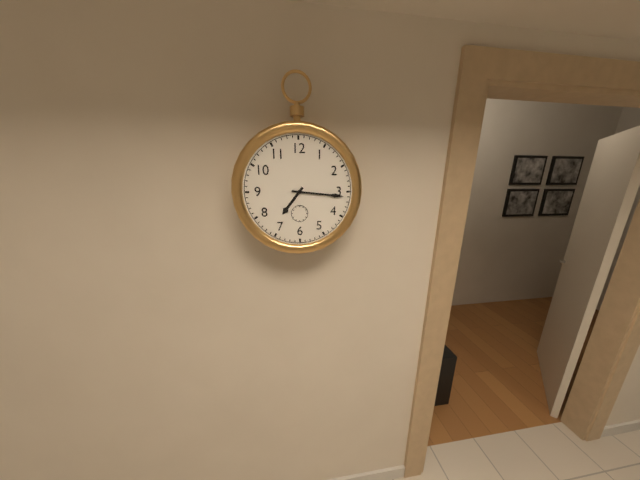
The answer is 7:16
